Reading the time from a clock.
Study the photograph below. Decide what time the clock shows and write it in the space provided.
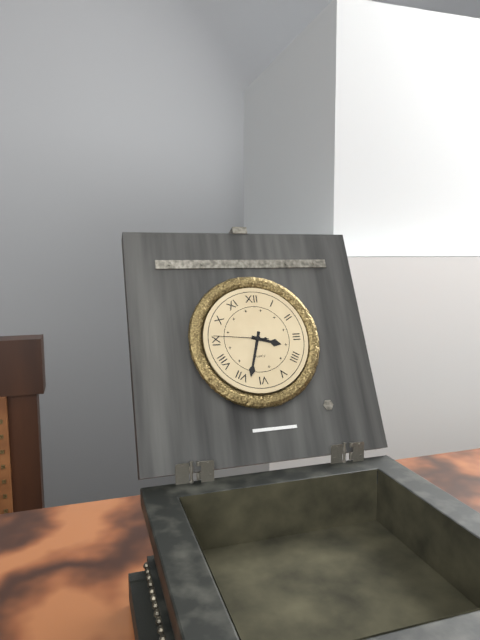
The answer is 3:33:46
